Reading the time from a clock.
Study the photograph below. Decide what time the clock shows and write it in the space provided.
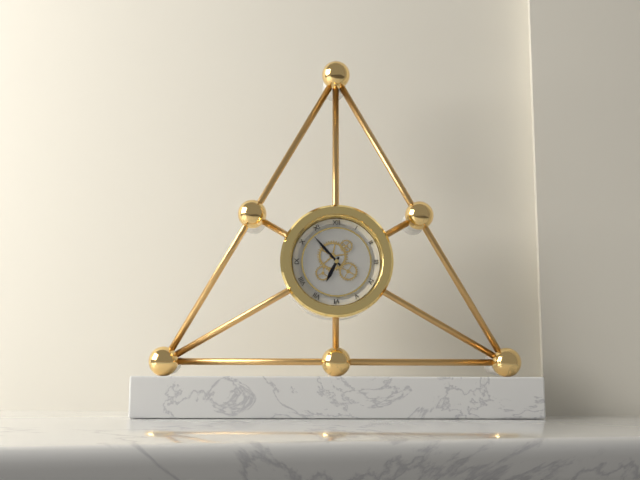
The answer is 6:53
